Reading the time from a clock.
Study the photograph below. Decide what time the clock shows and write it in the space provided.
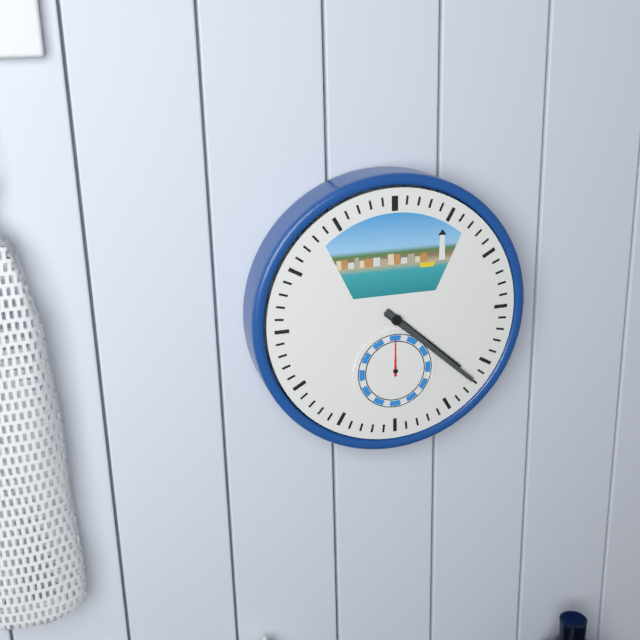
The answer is 4:22
